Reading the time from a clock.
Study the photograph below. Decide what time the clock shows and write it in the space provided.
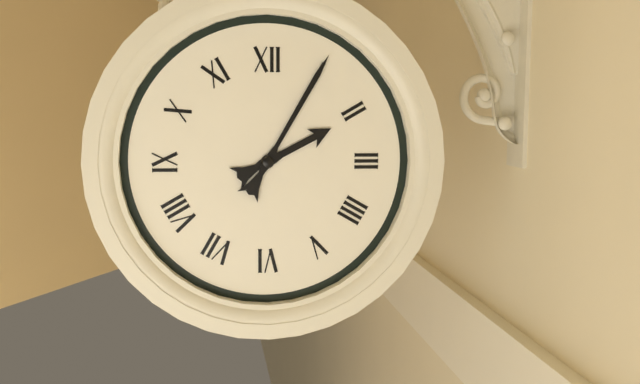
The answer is 2:05
